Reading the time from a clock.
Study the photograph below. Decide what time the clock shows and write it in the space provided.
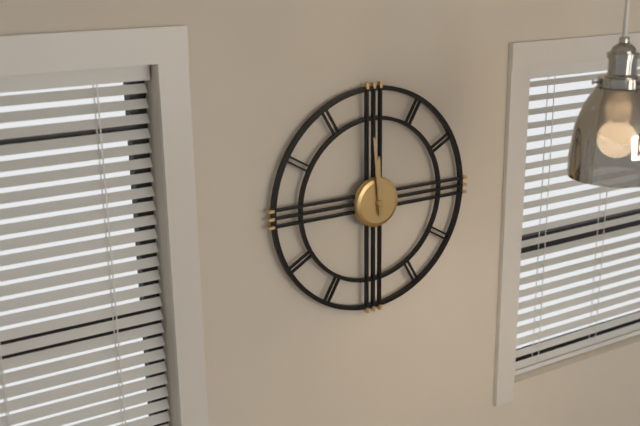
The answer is 11:59
